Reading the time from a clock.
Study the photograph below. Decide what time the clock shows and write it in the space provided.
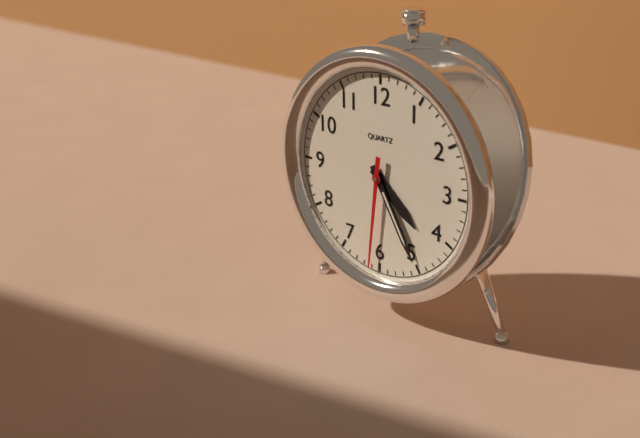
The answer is 4:25:31
